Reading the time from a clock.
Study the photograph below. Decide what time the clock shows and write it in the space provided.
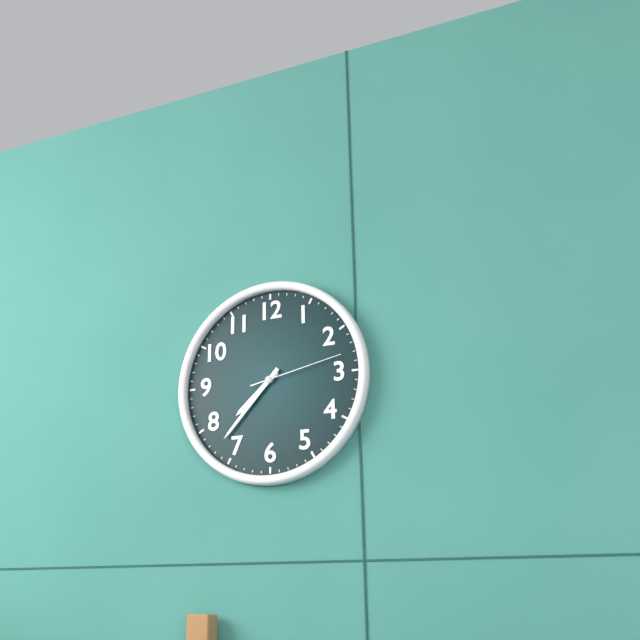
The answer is 7:37:13
